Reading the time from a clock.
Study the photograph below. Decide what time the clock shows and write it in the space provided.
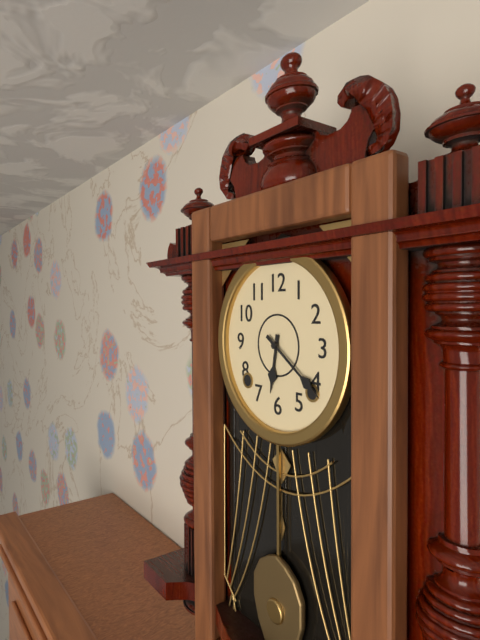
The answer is 6:21
